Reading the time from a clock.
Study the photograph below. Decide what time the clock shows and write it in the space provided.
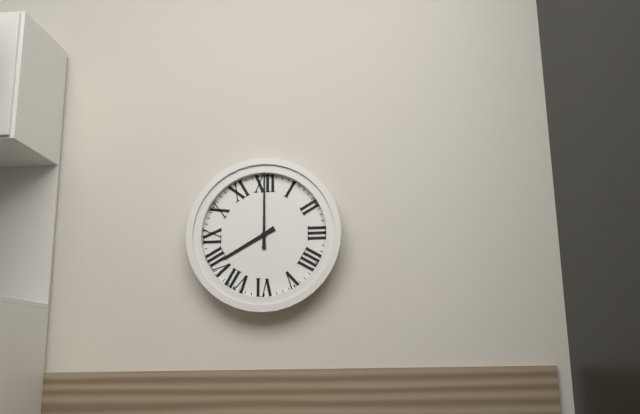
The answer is 8:00
